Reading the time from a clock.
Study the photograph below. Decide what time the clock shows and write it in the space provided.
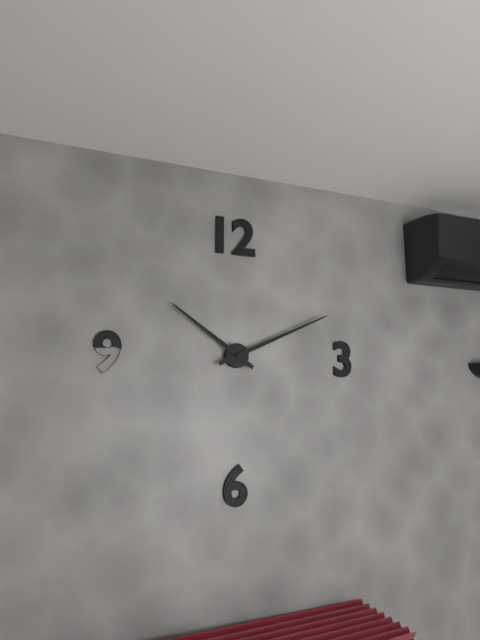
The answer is 10:11
